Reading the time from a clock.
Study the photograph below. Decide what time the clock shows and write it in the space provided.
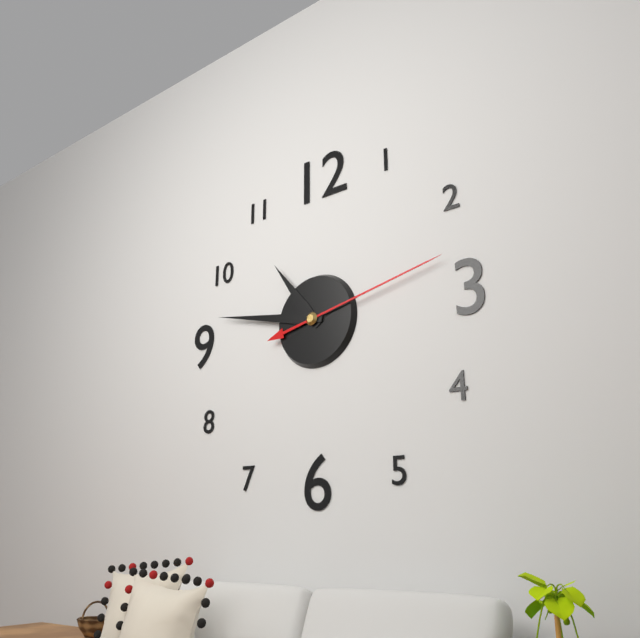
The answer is 10:47:13
